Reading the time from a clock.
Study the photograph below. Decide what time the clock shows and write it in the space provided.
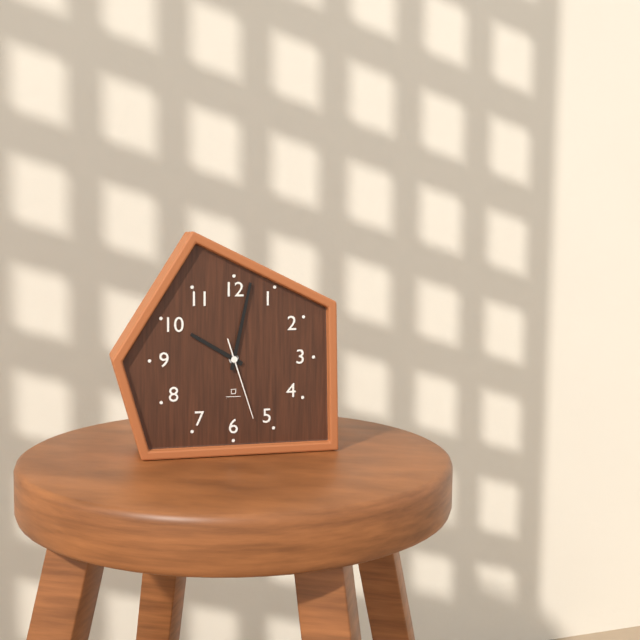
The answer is 10:02:27
